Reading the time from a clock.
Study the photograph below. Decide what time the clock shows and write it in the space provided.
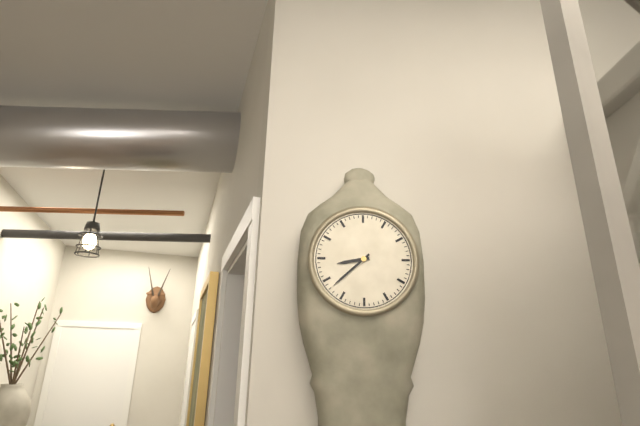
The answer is 8:38
